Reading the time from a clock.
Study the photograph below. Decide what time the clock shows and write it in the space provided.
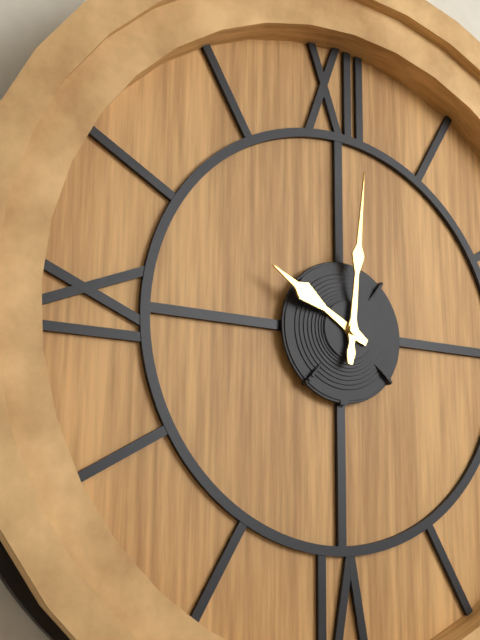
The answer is 10:01
